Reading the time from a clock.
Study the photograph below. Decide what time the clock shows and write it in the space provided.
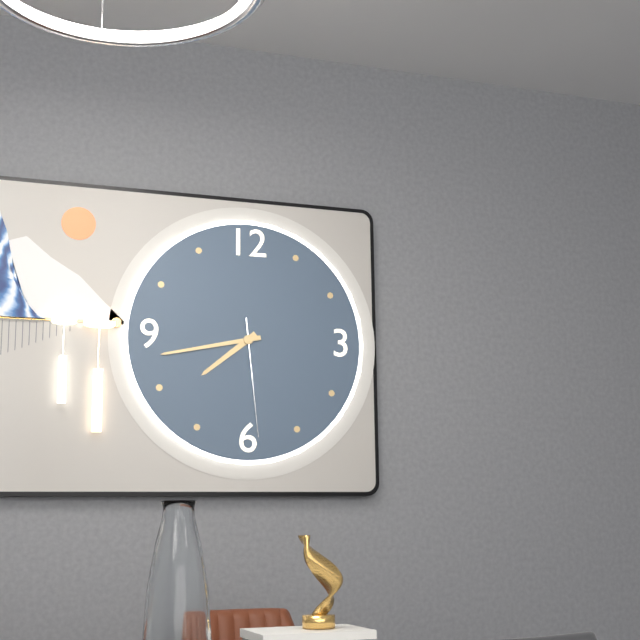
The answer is 7:43:29
